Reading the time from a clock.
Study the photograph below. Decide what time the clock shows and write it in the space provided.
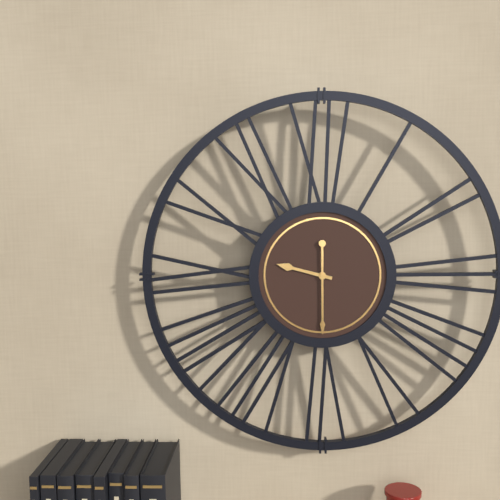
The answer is 9:30
